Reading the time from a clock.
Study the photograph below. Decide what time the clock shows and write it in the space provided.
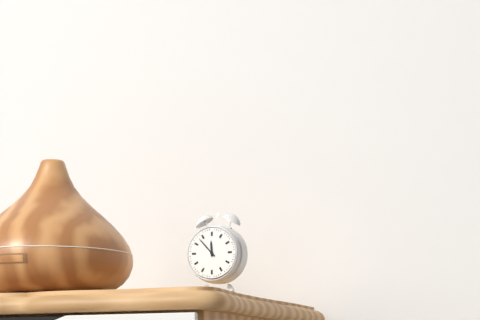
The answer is 11:53
